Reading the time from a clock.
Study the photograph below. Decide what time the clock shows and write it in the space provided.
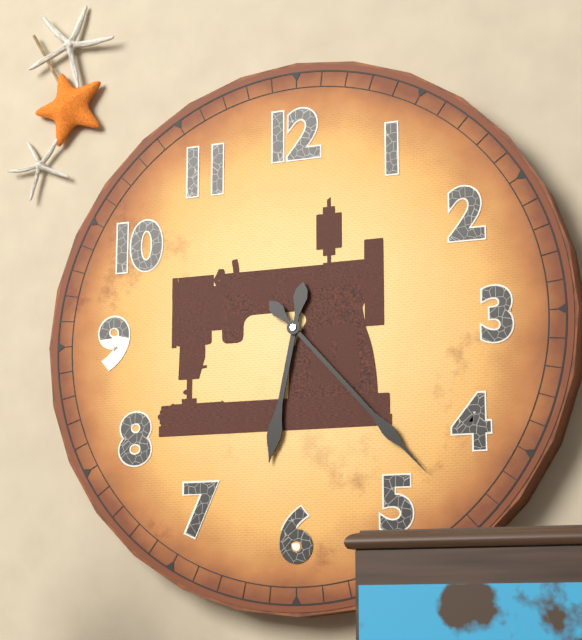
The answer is 6:23
